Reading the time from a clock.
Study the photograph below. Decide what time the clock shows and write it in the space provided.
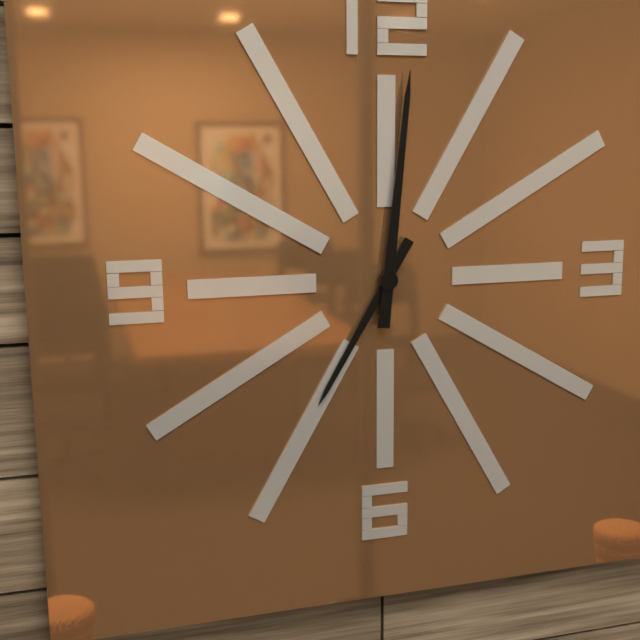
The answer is 7:01
